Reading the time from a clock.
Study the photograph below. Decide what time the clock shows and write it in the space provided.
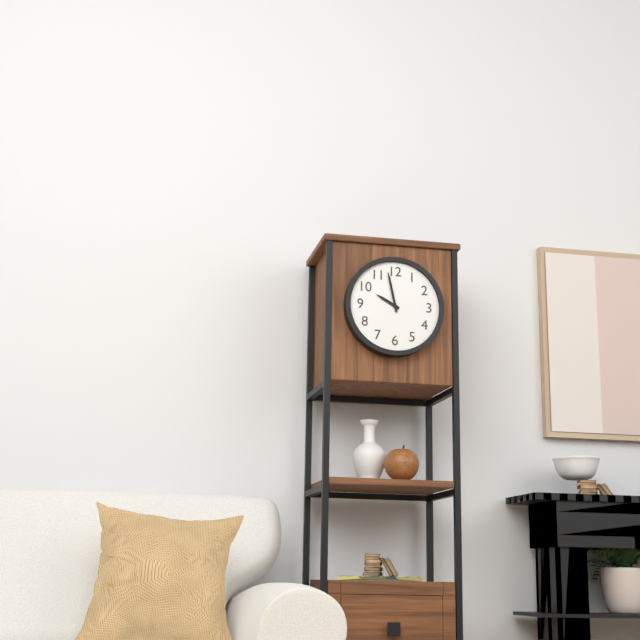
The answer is 9:58
